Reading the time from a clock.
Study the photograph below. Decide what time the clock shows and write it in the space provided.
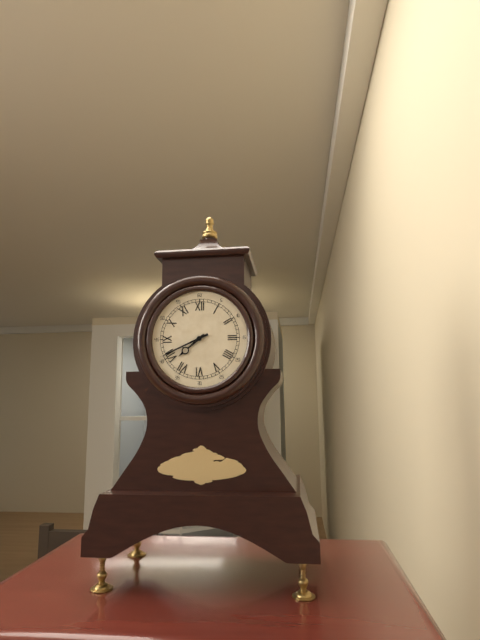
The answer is 7:41
